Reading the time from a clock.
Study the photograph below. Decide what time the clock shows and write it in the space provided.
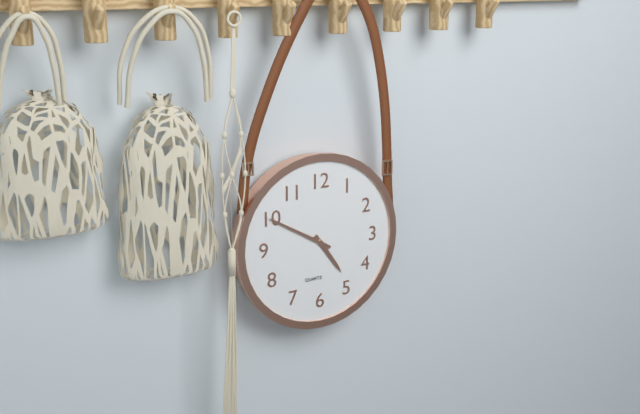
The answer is 4:50
